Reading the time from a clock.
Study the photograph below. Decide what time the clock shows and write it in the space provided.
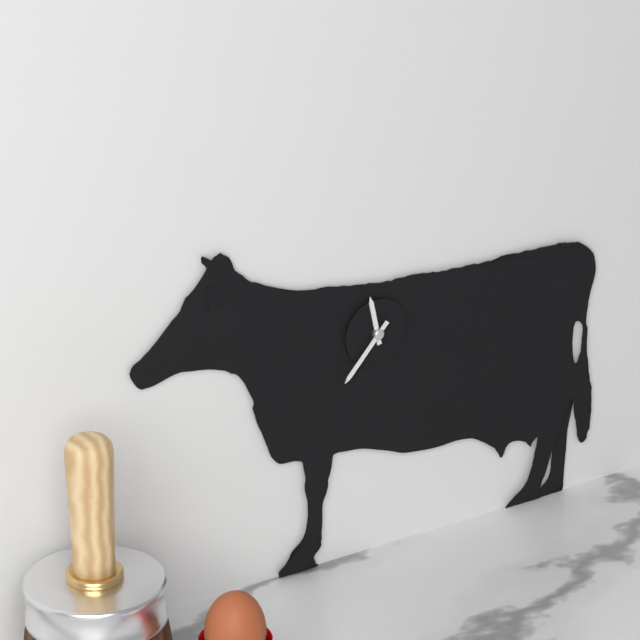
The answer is 11:37
